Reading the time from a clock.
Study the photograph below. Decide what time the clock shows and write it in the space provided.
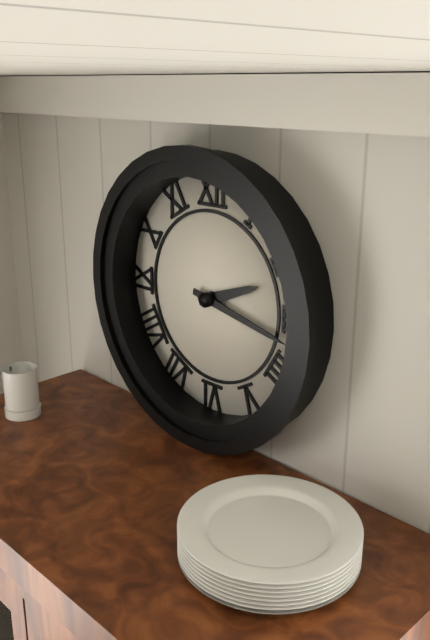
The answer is 2:17
